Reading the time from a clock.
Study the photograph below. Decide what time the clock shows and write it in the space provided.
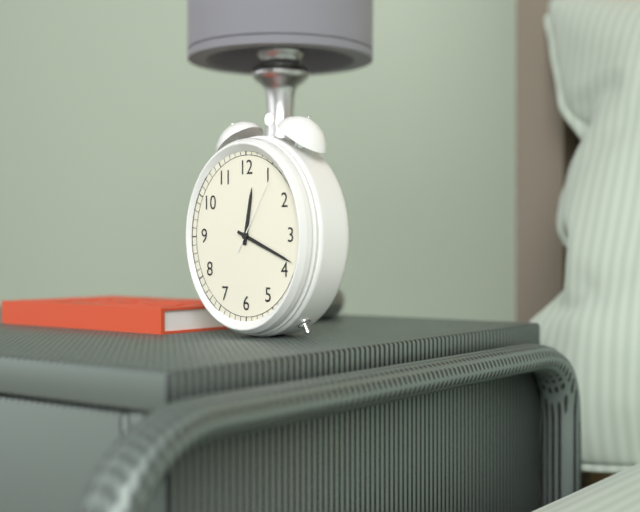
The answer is 12:19:05
